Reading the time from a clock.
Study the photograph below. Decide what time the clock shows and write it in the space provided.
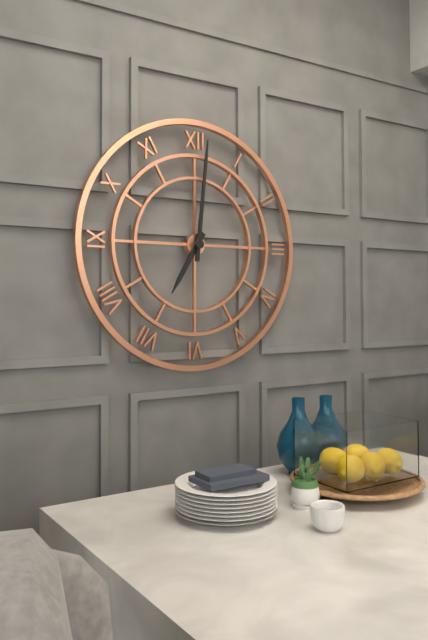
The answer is 7:01
